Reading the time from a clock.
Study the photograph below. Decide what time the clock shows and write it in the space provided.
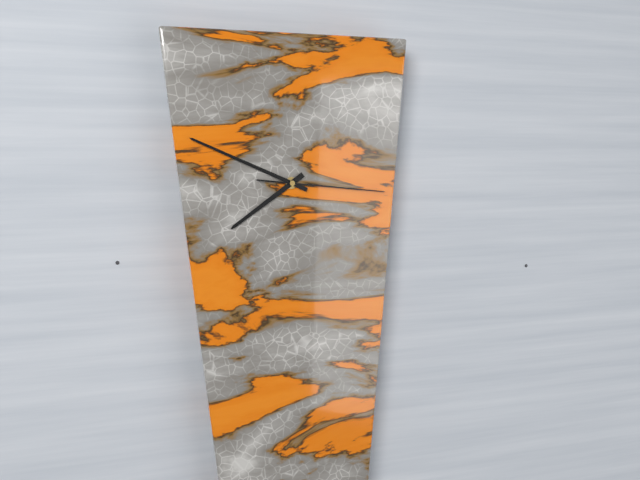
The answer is 7:49:16
